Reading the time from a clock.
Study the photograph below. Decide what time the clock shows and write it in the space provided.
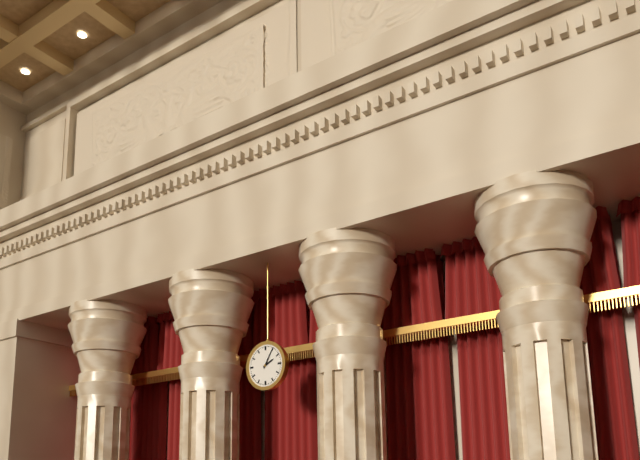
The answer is 2:05
